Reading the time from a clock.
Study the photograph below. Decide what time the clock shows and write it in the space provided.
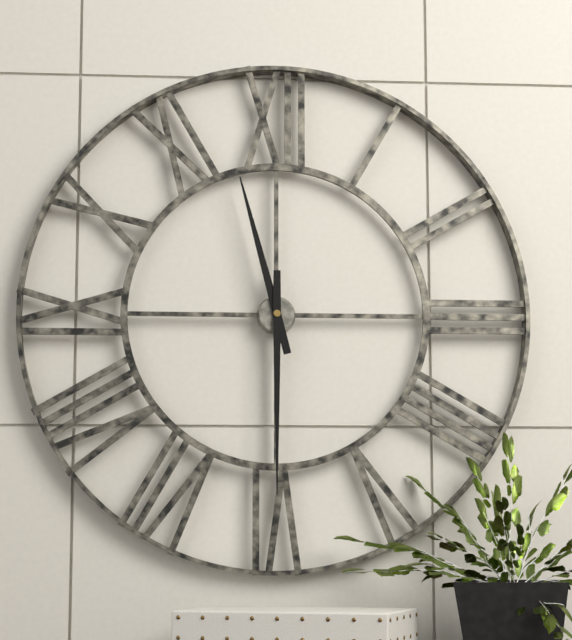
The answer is 11:30
